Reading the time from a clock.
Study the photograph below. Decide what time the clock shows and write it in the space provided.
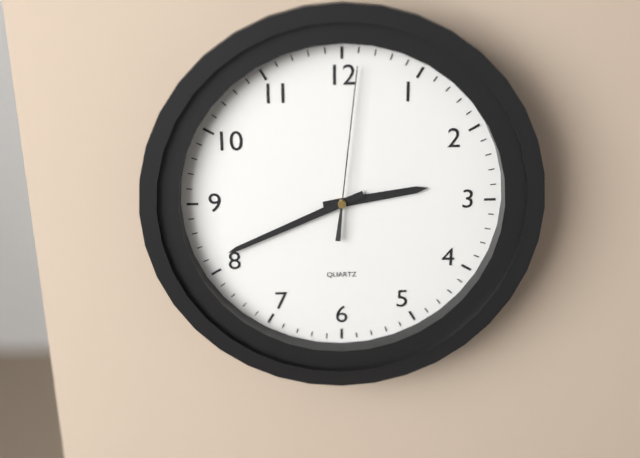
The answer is 2:41:01
